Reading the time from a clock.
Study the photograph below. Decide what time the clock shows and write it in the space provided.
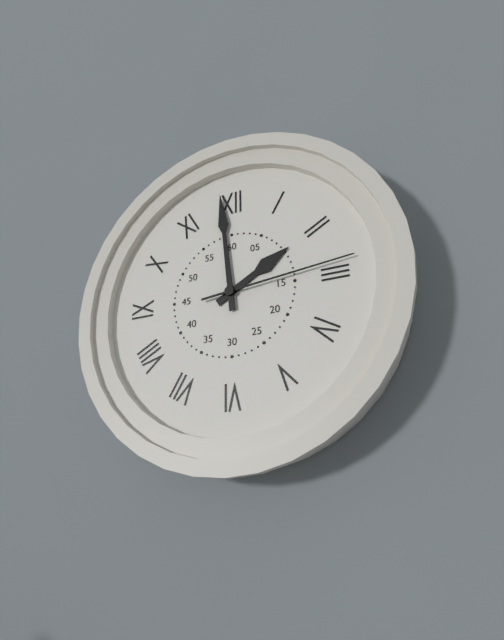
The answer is 1:59:14
